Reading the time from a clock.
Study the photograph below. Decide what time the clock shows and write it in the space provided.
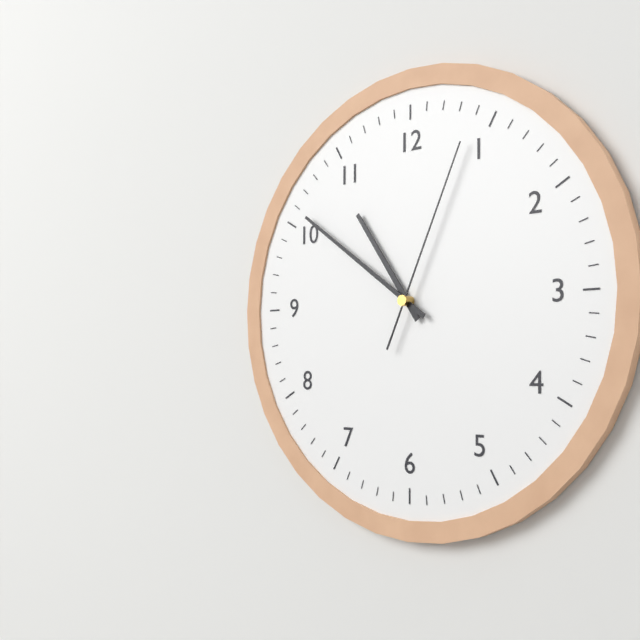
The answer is 10:51:04
